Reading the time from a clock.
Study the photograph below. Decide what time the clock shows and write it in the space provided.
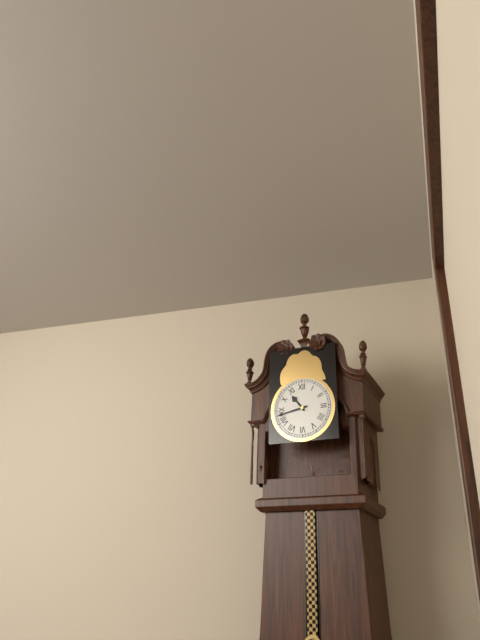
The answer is 10:43
